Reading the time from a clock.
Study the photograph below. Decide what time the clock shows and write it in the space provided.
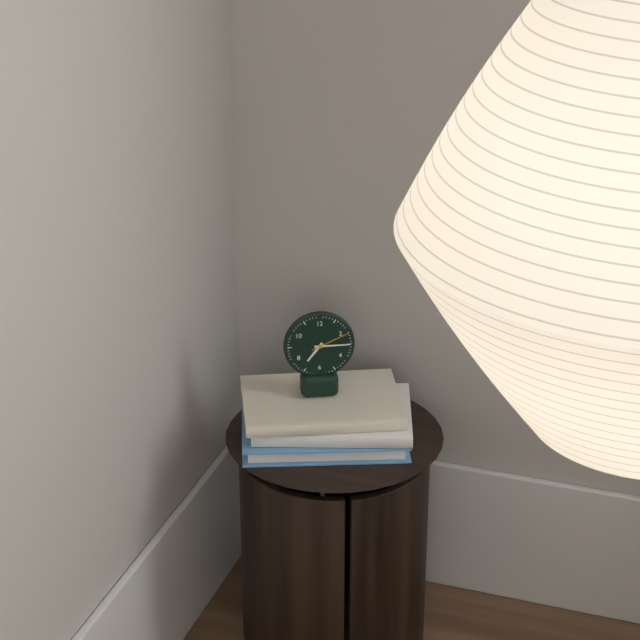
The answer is 7:15
